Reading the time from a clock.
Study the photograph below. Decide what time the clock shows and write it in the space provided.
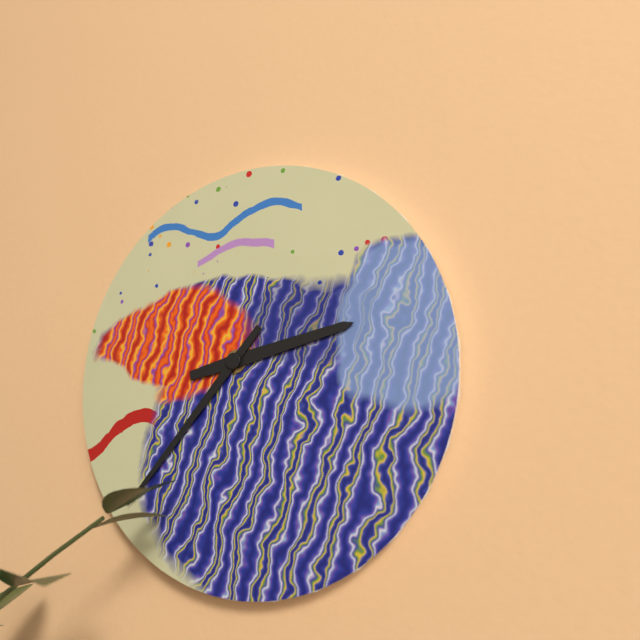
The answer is 2:37
